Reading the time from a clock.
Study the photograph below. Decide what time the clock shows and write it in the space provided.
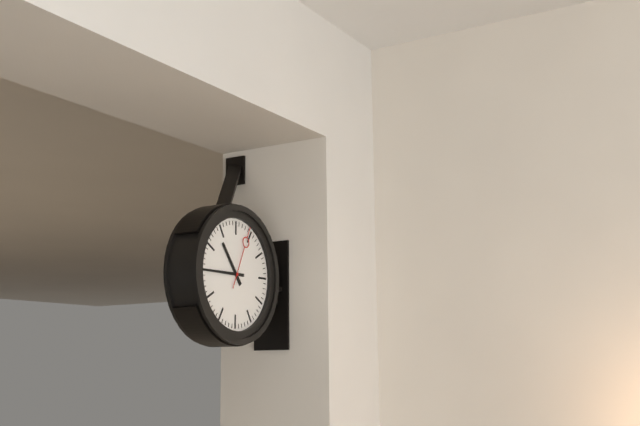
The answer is 10:45:04
